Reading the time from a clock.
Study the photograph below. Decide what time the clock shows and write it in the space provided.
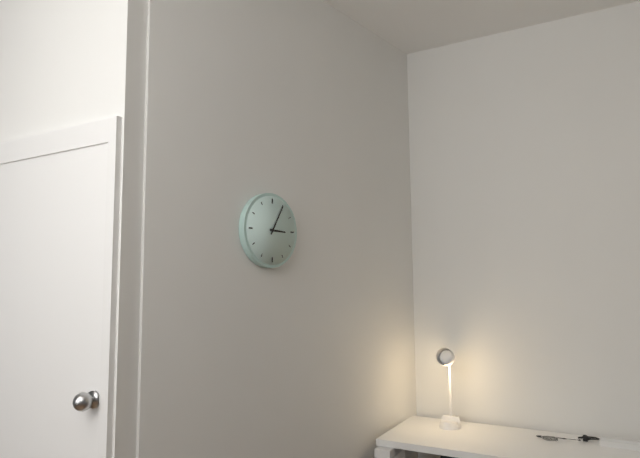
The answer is 3:05
